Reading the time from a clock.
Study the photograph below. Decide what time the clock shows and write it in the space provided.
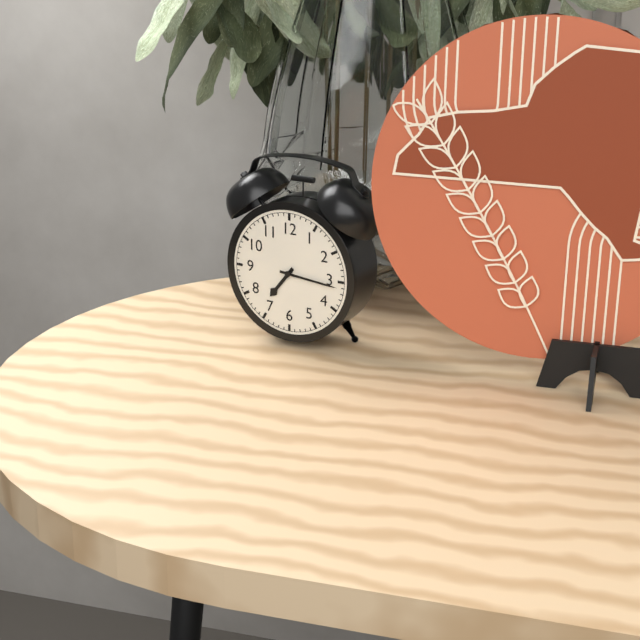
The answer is 7:16
